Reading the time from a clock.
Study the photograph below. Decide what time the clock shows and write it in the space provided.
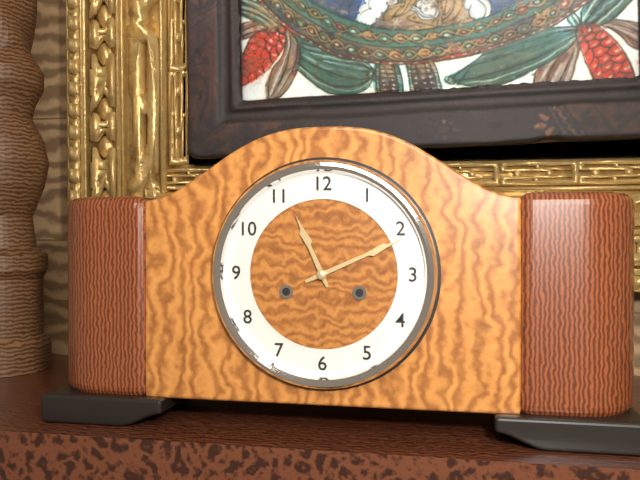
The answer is 11:11
